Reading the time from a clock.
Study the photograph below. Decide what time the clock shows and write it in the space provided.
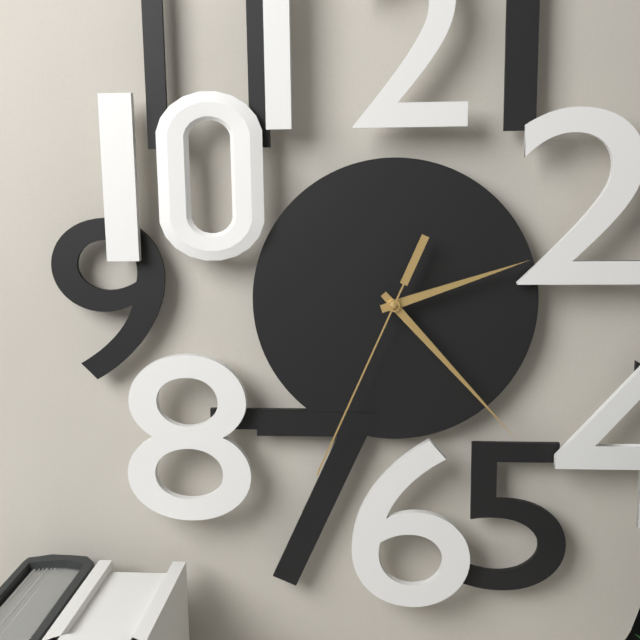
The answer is 2:23:34
